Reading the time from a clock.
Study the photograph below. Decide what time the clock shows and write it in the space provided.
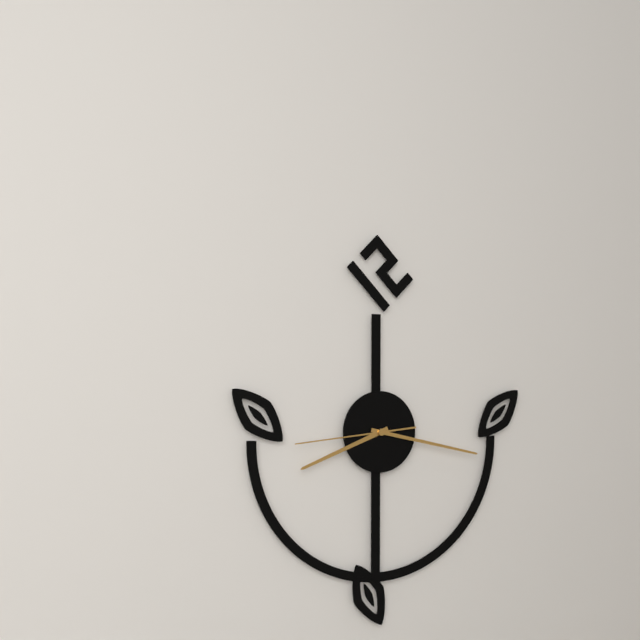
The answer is 8:17:44
